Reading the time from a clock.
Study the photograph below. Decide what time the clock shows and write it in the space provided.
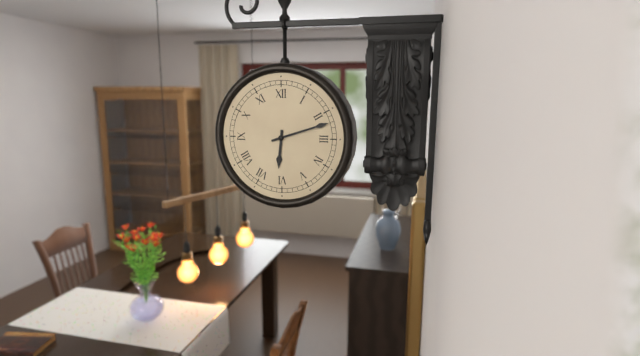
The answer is 6:12
